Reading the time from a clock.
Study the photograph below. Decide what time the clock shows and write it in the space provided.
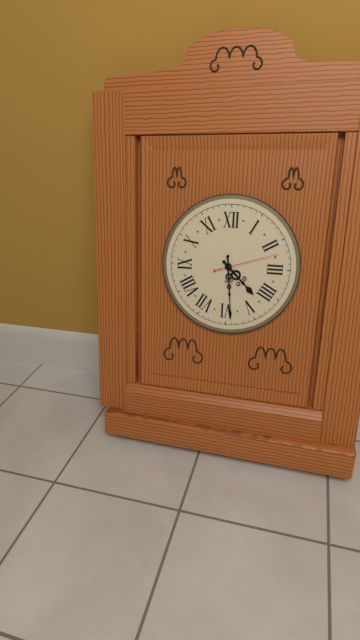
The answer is 4:29:12
